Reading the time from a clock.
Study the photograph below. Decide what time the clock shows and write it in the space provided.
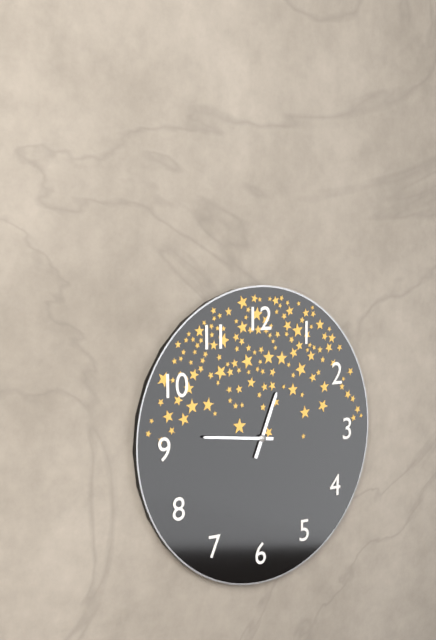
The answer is 12:46
